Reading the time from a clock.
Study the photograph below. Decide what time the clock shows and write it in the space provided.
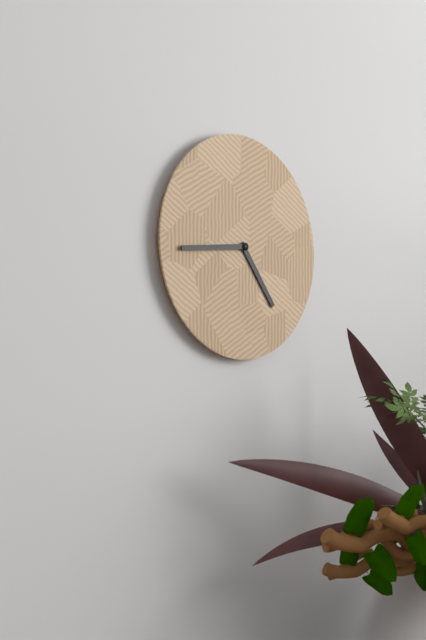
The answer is 4:44
